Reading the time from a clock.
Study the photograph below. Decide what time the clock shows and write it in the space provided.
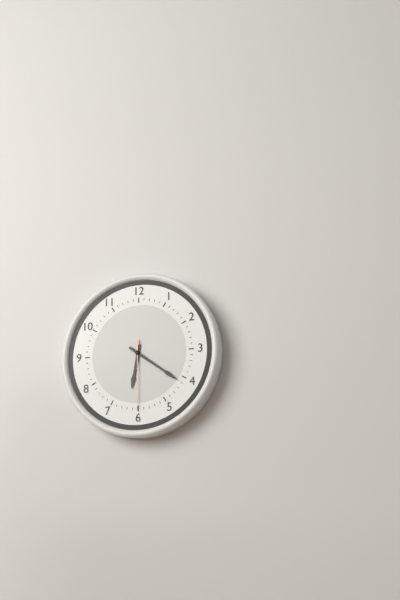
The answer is 6:21:30
